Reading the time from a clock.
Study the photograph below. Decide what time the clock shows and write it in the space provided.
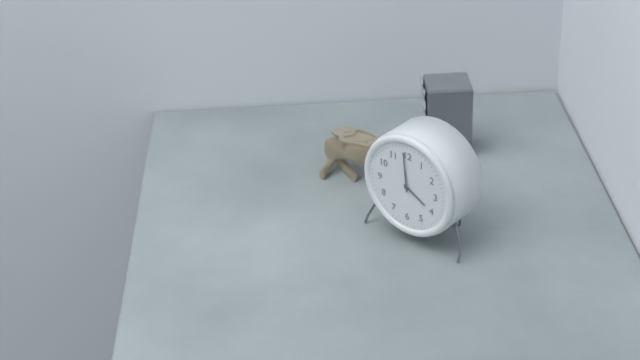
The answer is 3:59
